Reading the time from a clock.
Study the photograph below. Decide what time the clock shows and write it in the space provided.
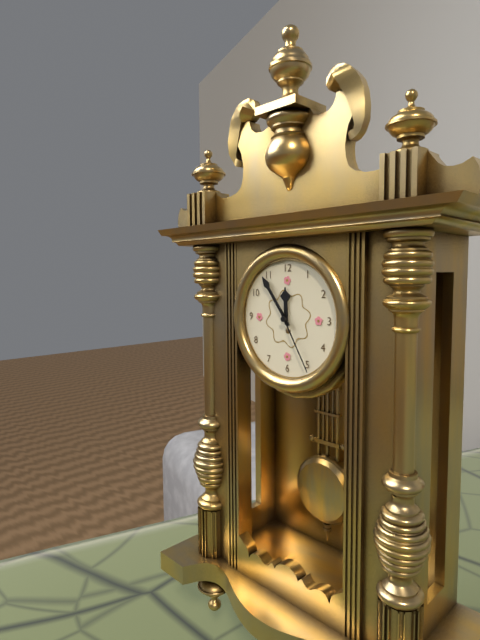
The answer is 11:54:25
